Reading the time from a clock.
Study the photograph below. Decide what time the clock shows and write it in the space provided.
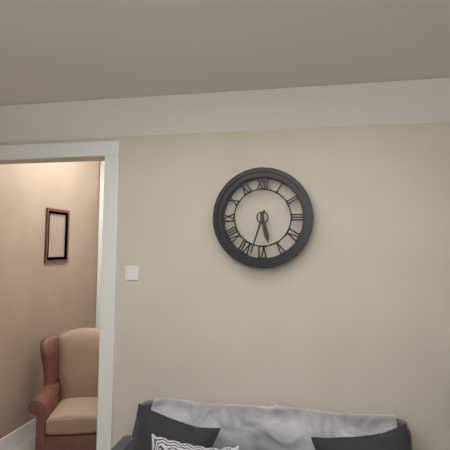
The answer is 5:33
